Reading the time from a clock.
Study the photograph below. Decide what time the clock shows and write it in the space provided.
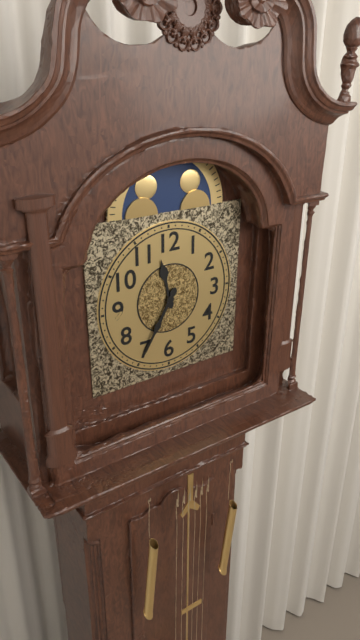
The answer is 11:35
